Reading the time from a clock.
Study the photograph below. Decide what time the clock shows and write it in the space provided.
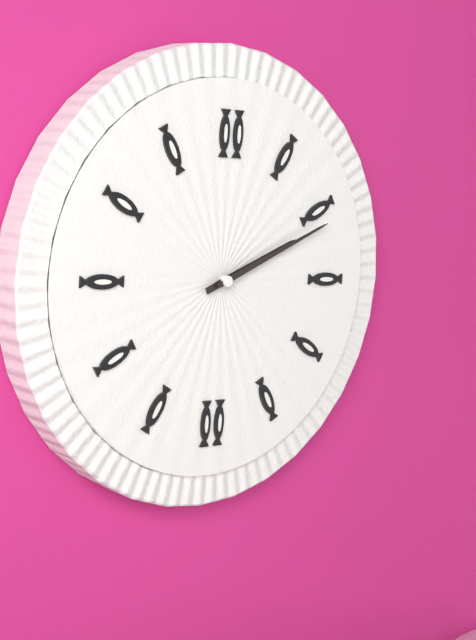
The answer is 2:11
